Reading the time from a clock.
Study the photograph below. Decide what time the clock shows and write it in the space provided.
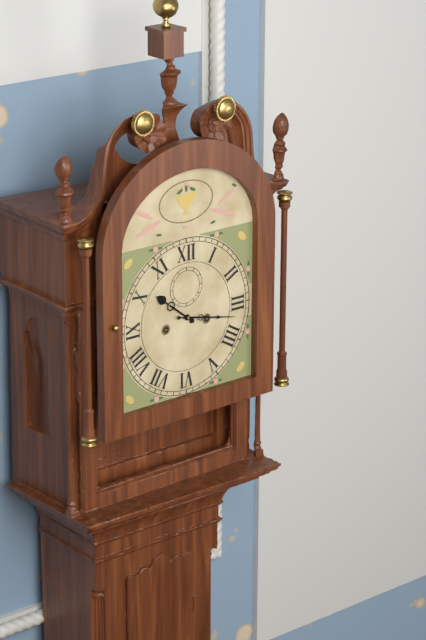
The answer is 10:17
